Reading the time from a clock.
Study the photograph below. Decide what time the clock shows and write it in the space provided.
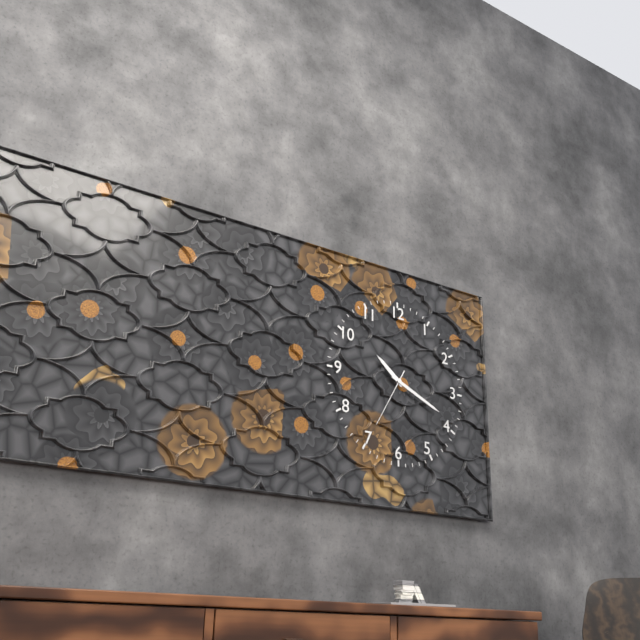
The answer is 10:19:35
